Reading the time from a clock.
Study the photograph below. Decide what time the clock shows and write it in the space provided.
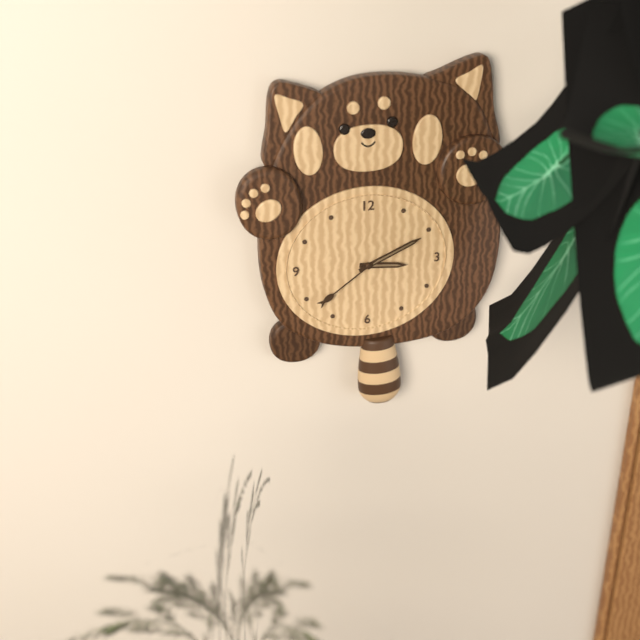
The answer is 3:11:39
